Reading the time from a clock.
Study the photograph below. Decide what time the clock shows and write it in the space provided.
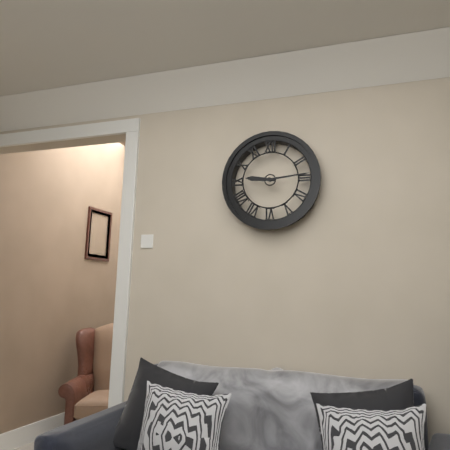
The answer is 9:14
